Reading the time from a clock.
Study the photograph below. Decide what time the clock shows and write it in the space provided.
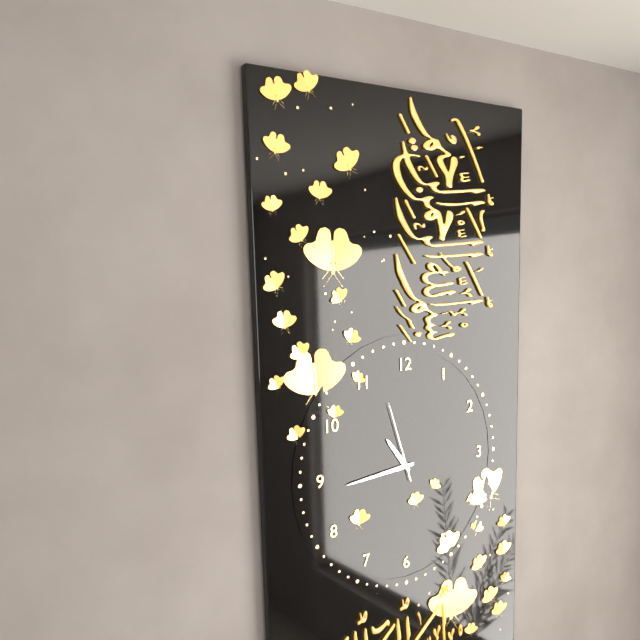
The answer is 10:44:57
